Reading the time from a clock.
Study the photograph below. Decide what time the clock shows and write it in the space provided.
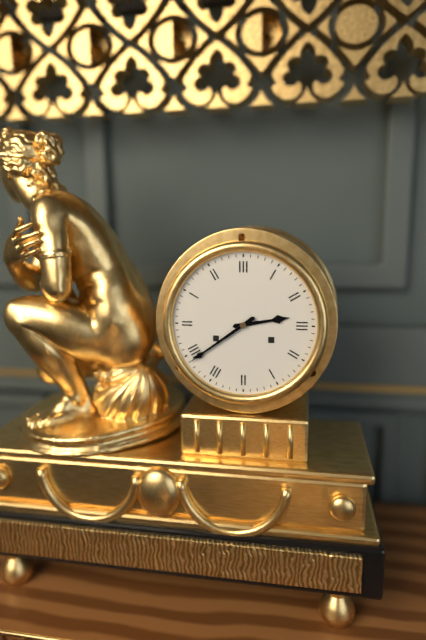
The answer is 2:39
